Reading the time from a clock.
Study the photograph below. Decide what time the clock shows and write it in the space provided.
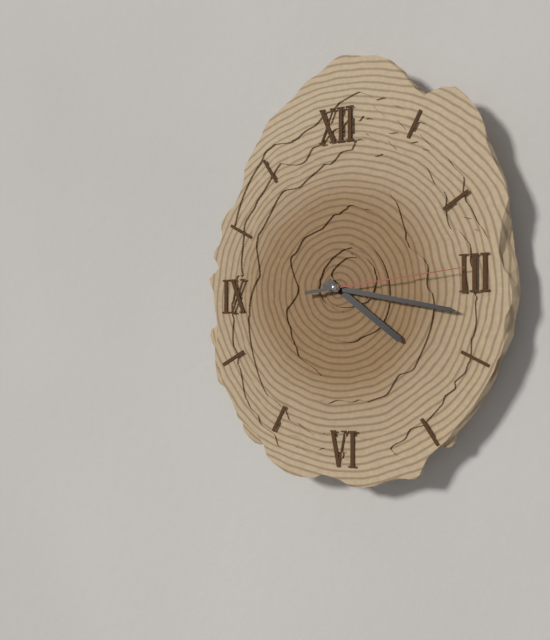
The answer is 4:17:14
